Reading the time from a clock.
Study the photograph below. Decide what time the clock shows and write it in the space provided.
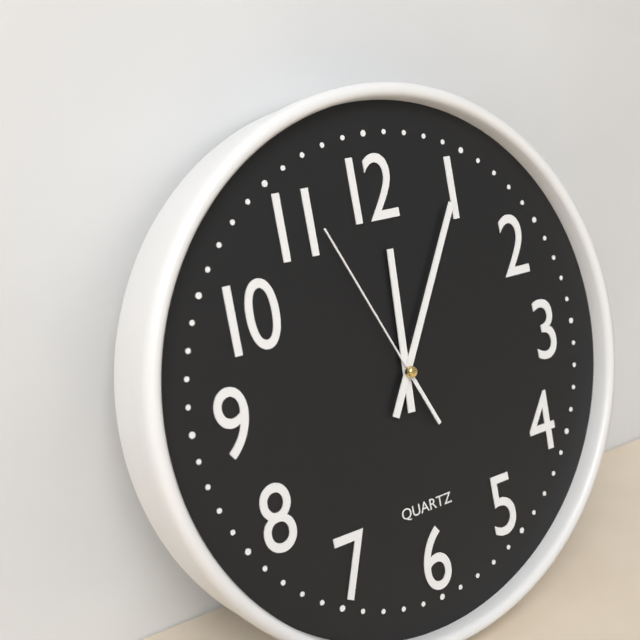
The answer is 12:05:56
